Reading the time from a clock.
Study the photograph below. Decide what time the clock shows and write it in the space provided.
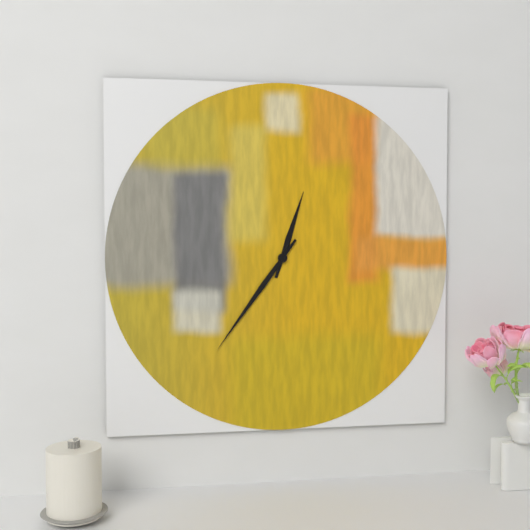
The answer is 12:36
